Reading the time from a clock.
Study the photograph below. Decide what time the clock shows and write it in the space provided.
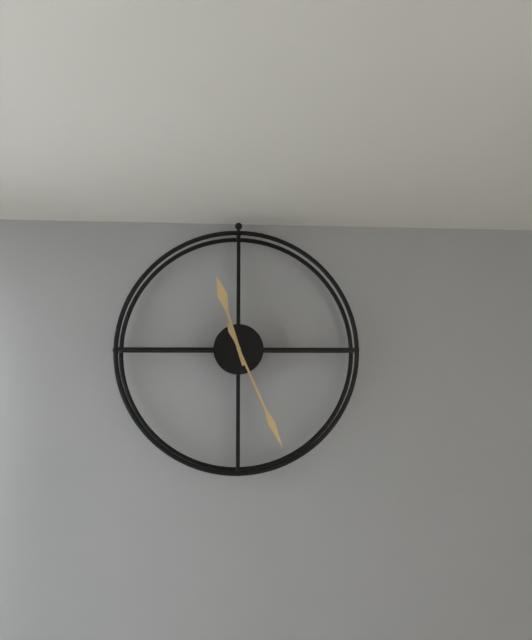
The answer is 11:26
